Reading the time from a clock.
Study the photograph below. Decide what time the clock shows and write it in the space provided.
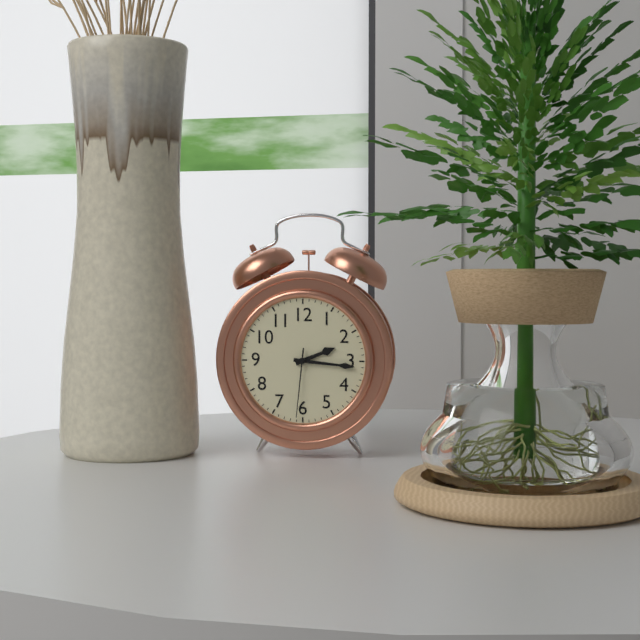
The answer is 2:16:31
